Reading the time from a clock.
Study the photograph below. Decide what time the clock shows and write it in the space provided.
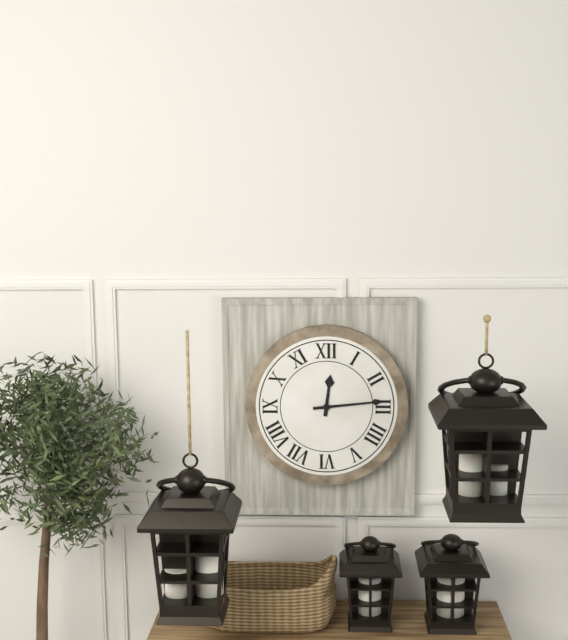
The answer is 12:14
